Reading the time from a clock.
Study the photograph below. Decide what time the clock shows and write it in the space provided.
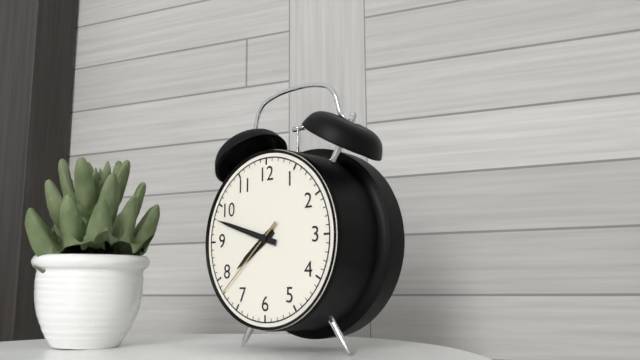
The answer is 7:48:38
